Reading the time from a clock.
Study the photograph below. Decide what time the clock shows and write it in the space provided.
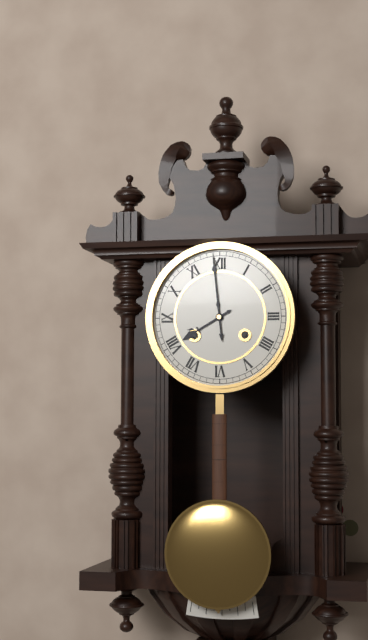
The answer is 7:59
